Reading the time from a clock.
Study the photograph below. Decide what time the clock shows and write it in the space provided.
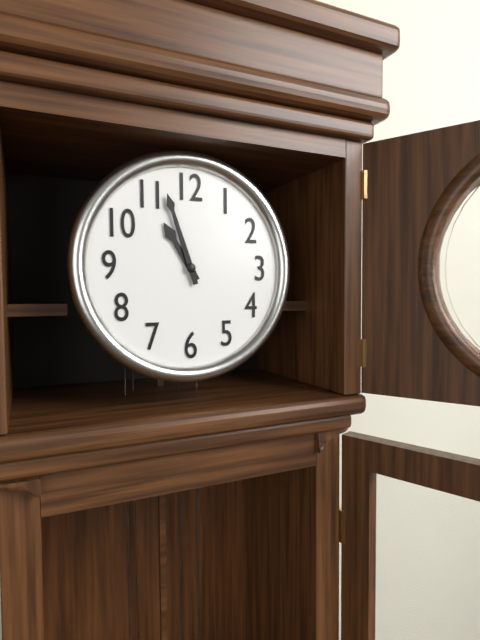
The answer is 10:57
